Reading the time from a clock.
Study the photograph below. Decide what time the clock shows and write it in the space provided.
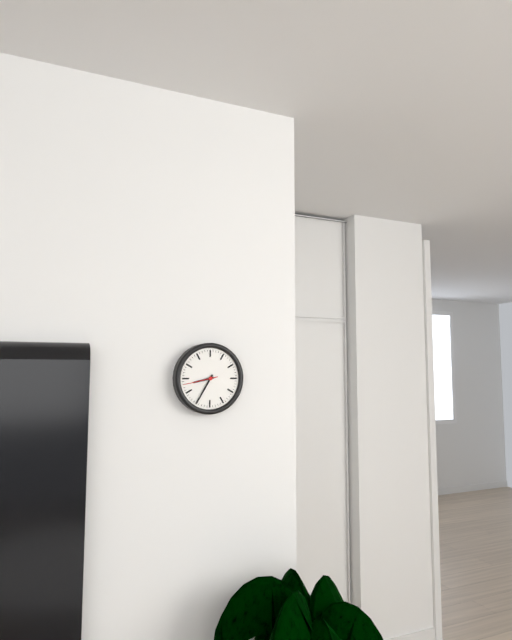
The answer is 8:35
